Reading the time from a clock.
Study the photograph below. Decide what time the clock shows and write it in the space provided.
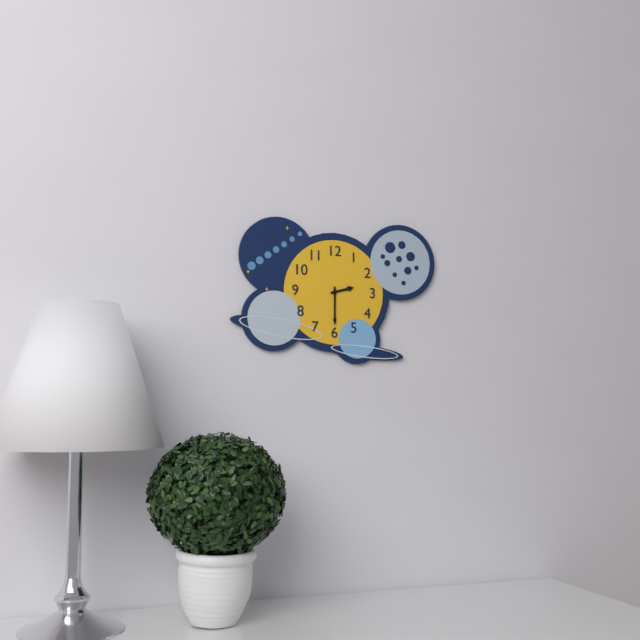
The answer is 2:30
